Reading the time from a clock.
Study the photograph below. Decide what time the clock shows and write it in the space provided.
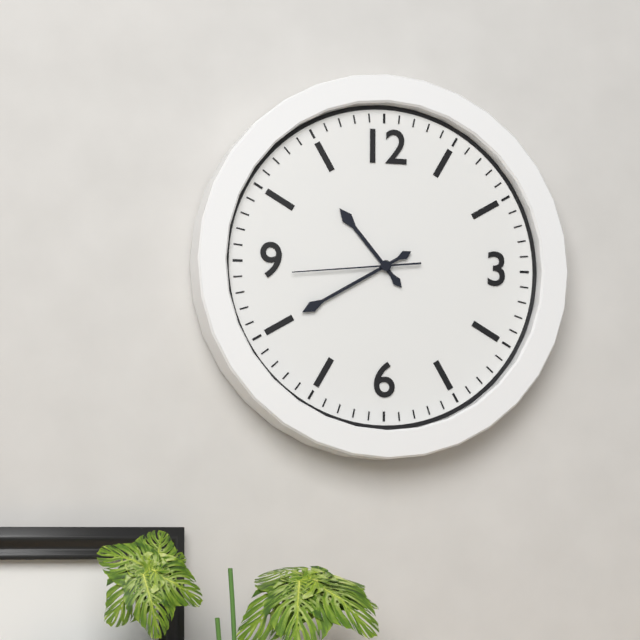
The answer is 10:40:44
